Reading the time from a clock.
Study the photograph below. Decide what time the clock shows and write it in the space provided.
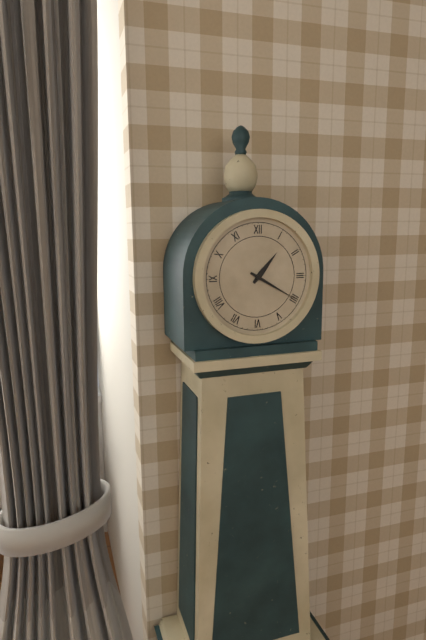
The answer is 1:20
